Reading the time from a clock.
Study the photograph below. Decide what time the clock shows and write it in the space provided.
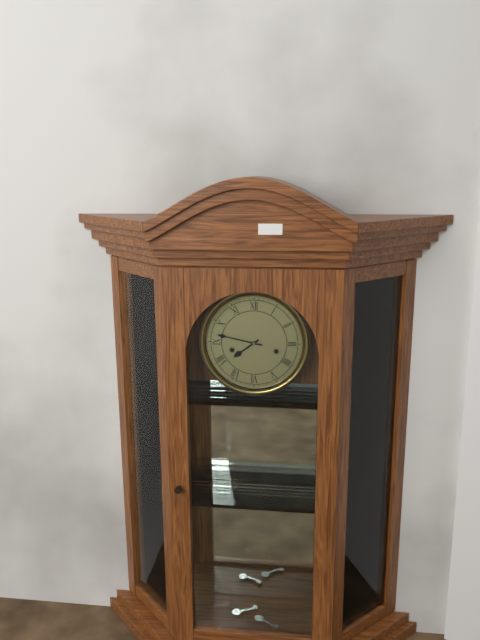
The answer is 7:47
